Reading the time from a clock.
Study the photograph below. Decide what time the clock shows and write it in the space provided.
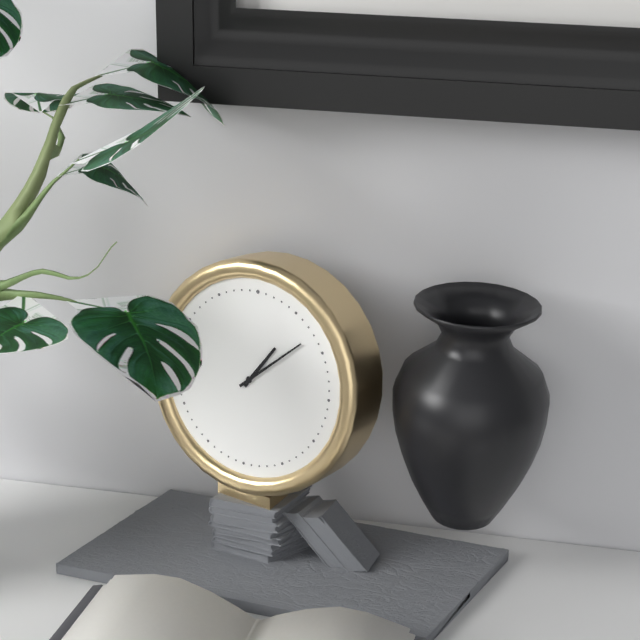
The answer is 1:08
